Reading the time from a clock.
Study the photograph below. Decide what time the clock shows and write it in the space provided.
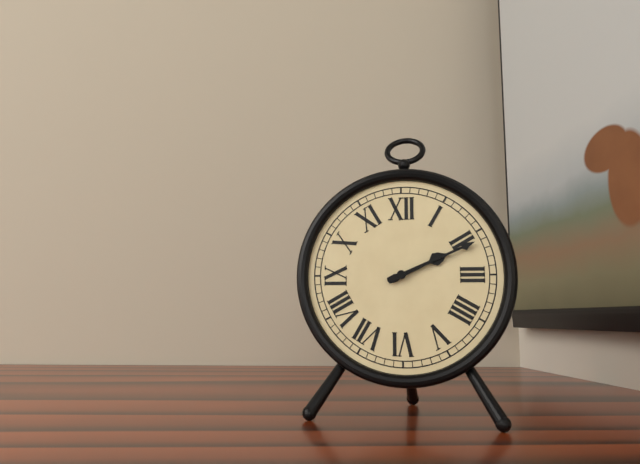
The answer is 2:11
